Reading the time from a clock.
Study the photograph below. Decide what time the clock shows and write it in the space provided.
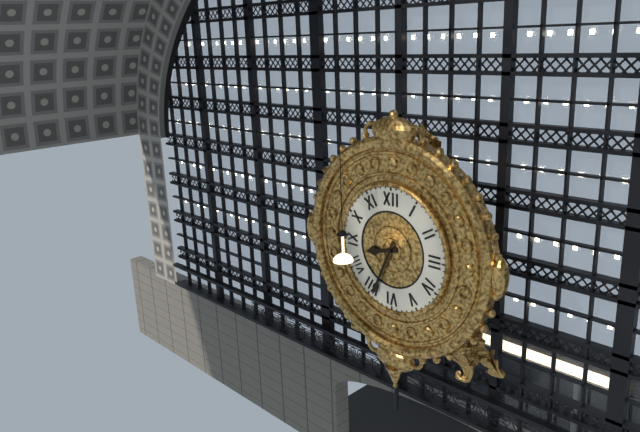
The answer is 8:34
